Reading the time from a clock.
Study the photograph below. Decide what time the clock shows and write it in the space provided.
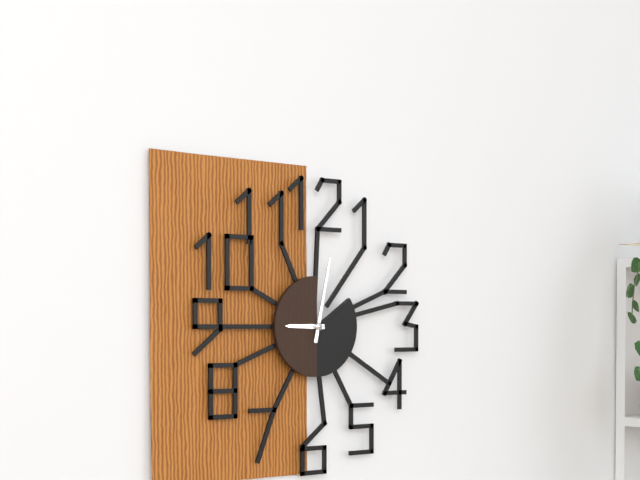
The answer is 9:02
